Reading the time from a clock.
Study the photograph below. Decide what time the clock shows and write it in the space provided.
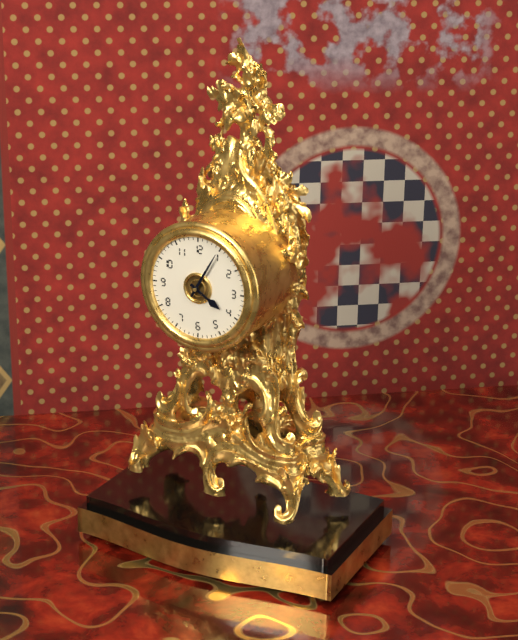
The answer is 4:05
